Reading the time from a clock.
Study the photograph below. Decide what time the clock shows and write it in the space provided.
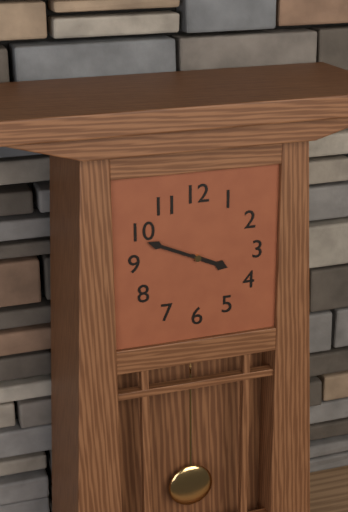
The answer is 3:49
